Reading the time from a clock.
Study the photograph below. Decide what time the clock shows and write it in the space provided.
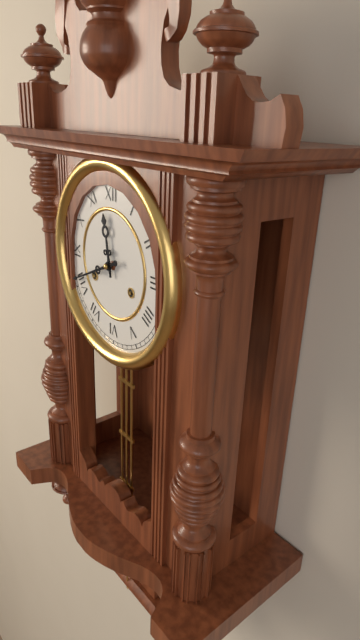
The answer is 11:41
